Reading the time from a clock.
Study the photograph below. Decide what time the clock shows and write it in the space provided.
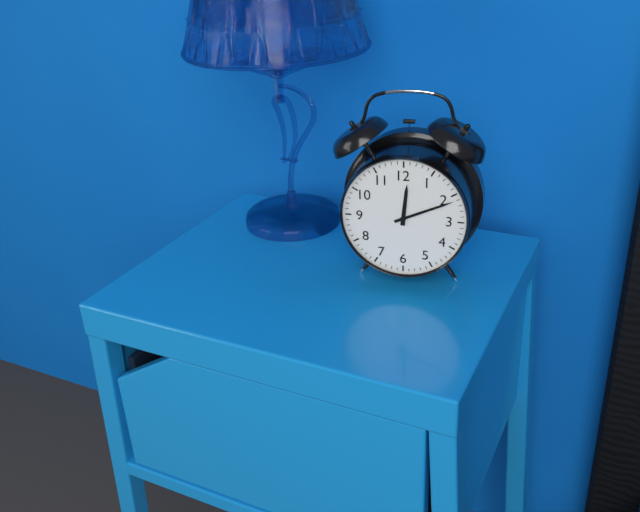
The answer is 12:11
